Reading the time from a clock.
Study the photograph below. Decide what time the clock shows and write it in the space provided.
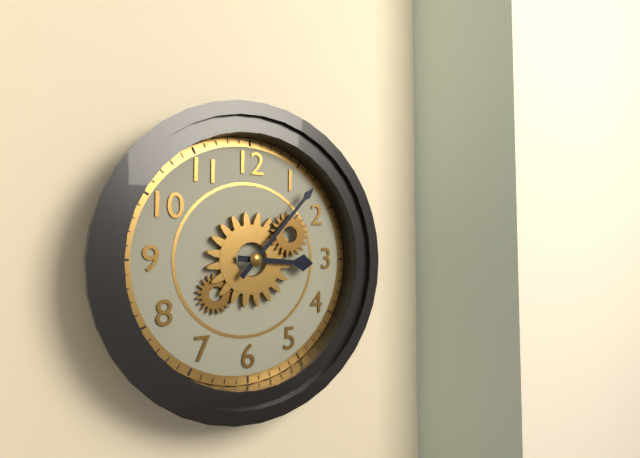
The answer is 3:07
